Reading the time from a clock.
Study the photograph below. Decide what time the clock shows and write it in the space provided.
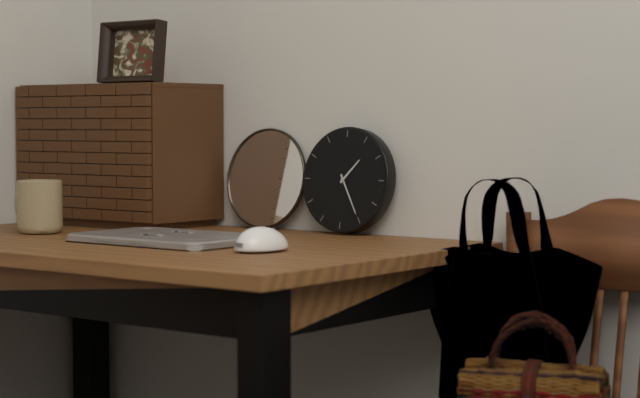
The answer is 1:25
